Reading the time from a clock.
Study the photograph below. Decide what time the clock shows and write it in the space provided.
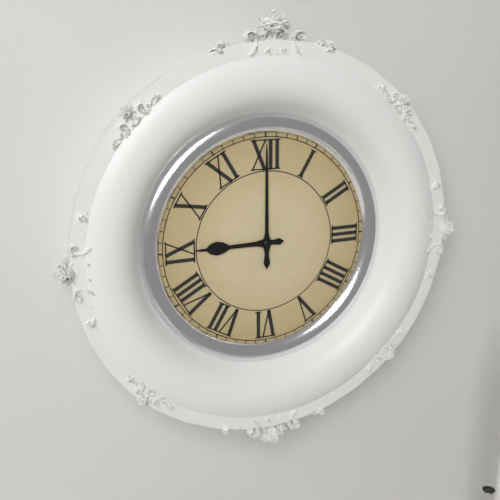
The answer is 9:00
